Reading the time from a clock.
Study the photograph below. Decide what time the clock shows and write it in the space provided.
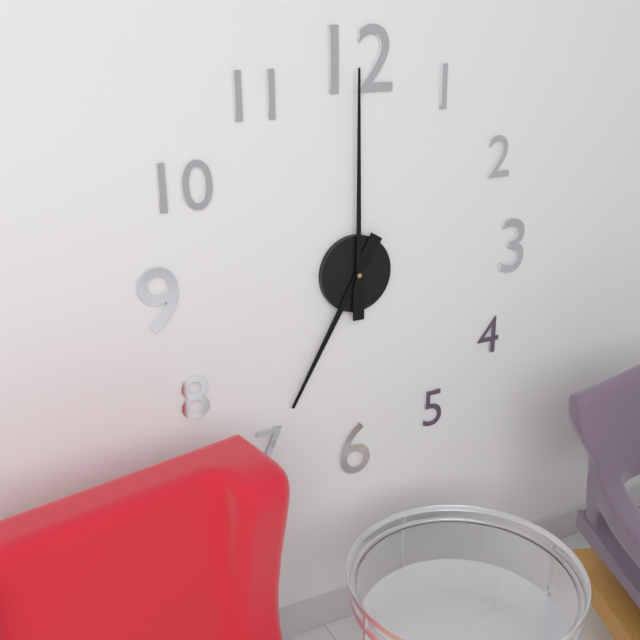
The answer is 7:00
